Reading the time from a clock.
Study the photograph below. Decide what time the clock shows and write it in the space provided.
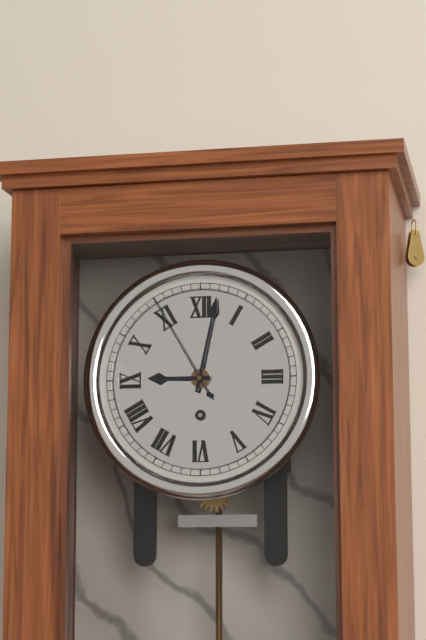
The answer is 9:02:55
